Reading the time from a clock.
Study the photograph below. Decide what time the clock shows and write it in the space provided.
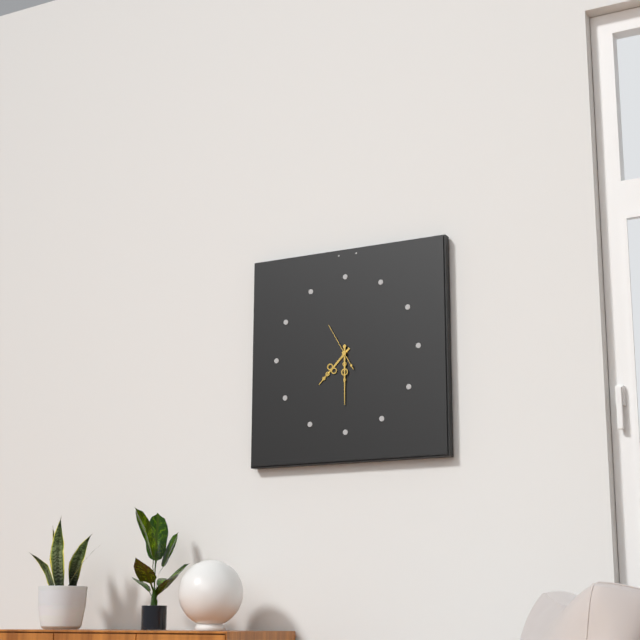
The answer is 7:30
